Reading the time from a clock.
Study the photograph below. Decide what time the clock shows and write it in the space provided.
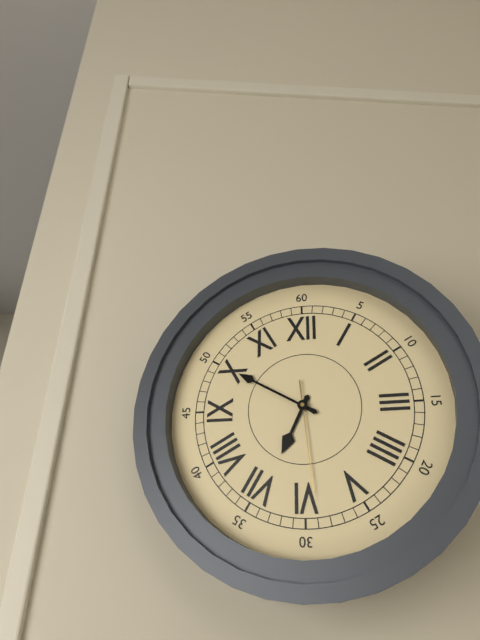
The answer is 6:50:29
